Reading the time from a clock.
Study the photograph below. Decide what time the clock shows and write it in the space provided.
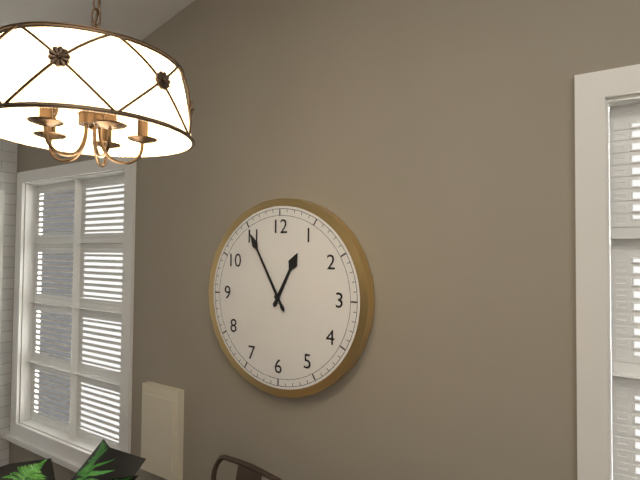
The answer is 12:55
